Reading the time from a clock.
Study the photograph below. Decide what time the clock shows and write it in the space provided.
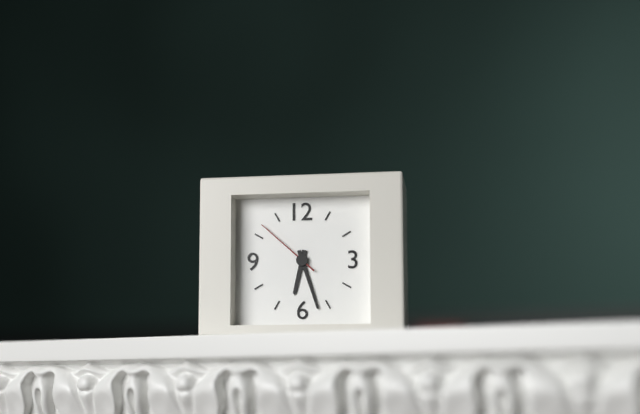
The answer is 6:27:52
